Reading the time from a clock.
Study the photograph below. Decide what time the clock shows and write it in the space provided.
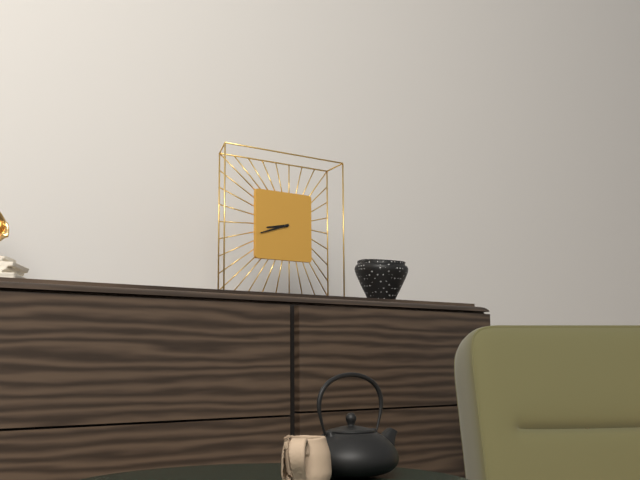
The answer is 8:42
